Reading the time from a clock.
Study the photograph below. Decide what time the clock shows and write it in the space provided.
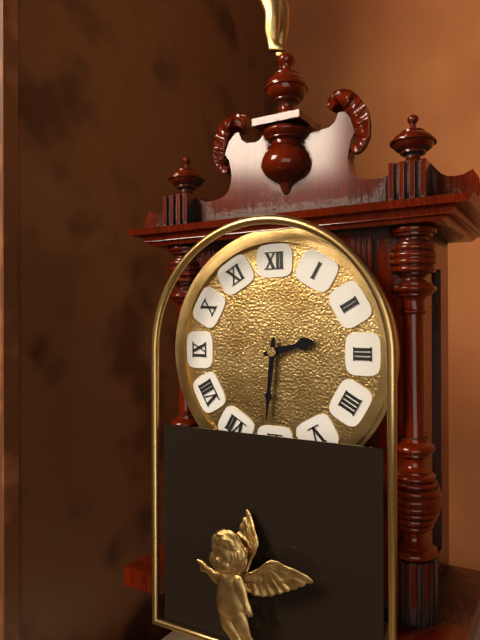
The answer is 2:31
